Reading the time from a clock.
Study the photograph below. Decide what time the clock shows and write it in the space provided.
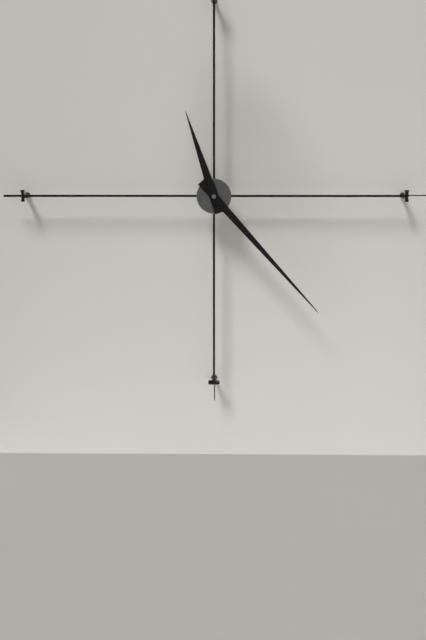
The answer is 11:23
